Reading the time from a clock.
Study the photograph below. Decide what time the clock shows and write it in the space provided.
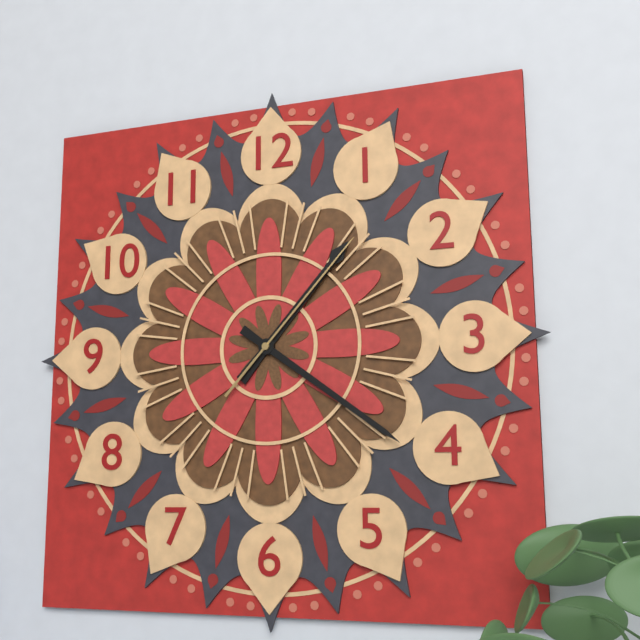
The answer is 1:21:07
